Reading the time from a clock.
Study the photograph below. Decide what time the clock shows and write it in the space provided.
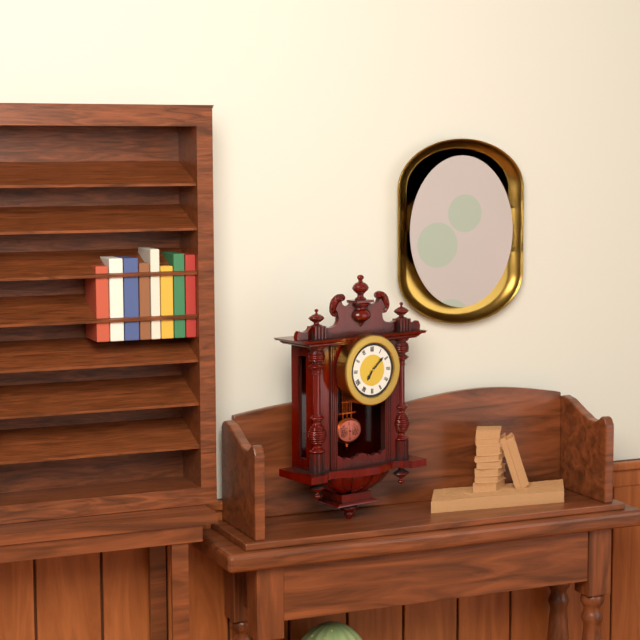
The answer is 7:08
